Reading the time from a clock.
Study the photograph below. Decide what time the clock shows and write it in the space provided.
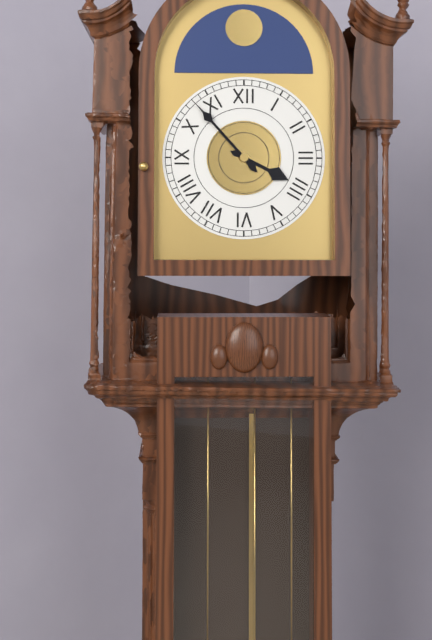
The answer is 3:53
